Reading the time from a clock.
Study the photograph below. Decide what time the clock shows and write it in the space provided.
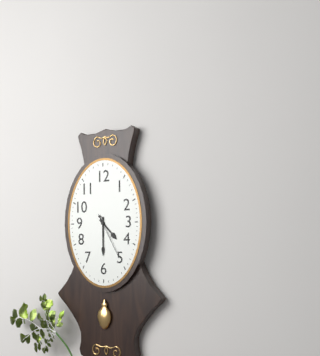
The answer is 4:30
